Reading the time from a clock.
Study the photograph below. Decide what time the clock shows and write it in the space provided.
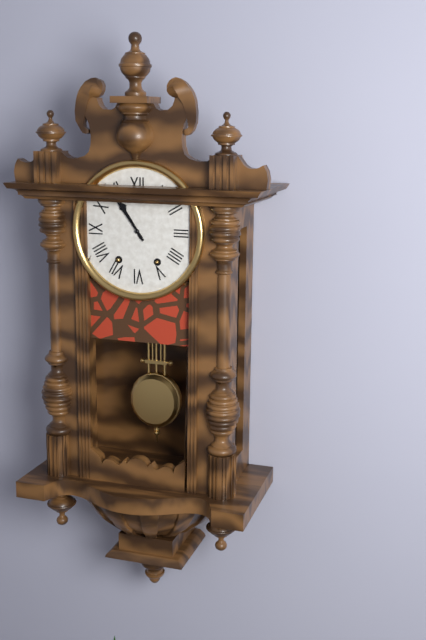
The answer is 10:54
